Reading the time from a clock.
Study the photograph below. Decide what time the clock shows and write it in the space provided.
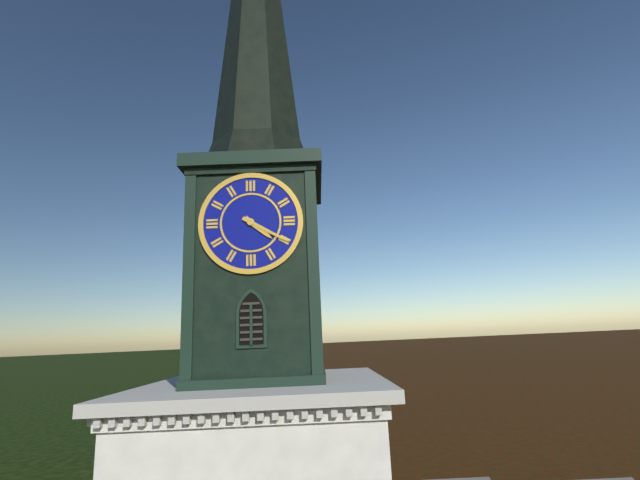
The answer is 4:20
